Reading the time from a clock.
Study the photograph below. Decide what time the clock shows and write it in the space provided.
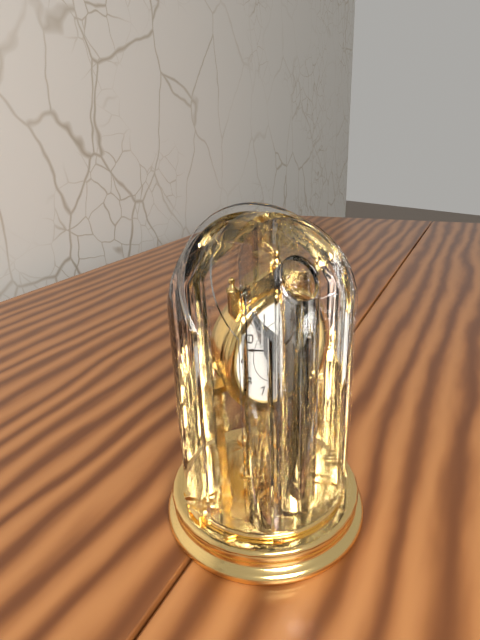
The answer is 1:48
